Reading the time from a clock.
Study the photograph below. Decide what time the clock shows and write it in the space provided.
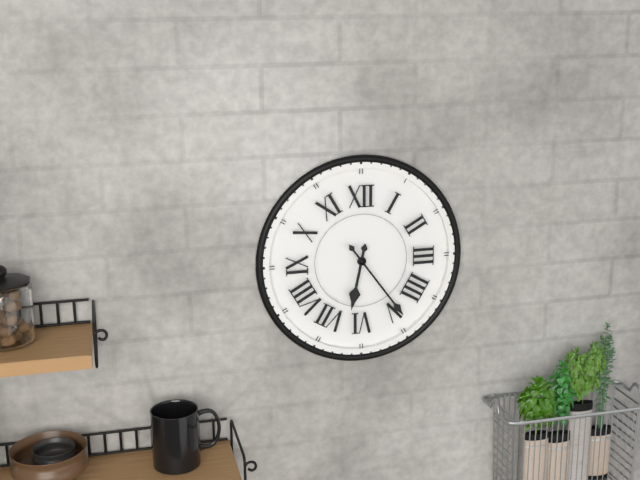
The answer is 6:24
